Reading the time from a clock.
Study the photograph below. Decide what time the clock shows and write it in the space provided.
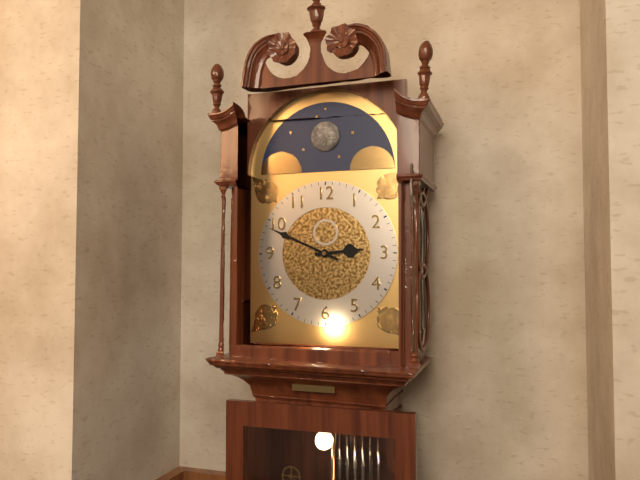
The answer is 2:49
